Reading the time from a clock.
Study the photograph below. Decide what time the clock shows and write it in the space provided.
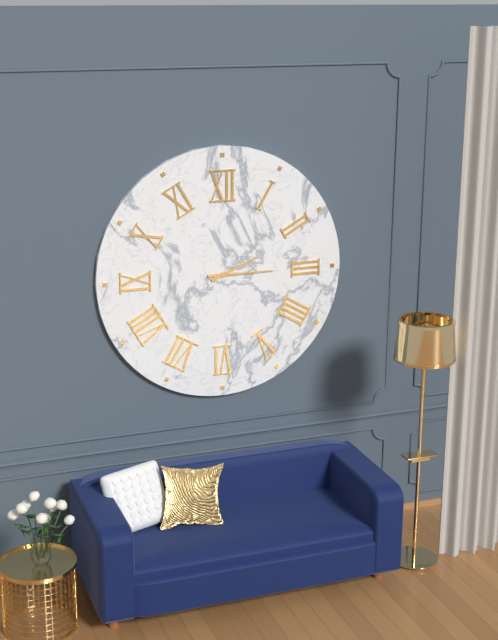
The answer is 2:15
